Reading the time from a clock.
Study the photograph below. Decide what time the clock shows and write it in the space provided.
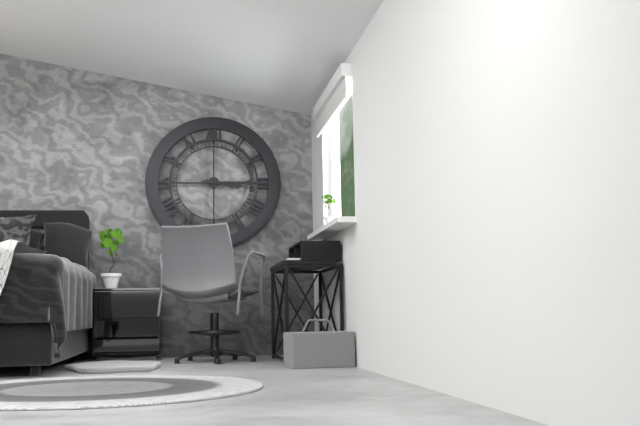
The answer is 3:15
